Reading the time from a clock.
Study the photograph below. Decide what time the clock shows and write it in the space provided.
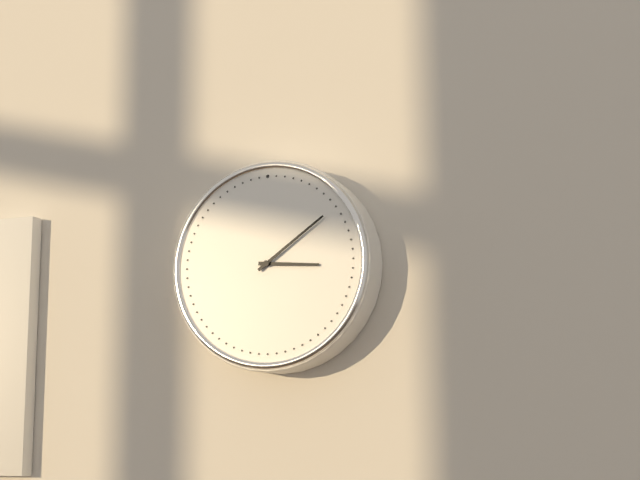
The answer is 3:09
